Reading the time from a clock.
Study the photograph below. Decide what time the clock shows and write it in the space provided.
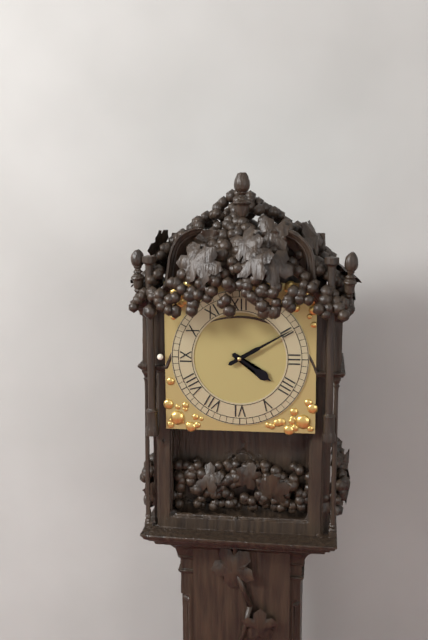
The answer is 4:10
